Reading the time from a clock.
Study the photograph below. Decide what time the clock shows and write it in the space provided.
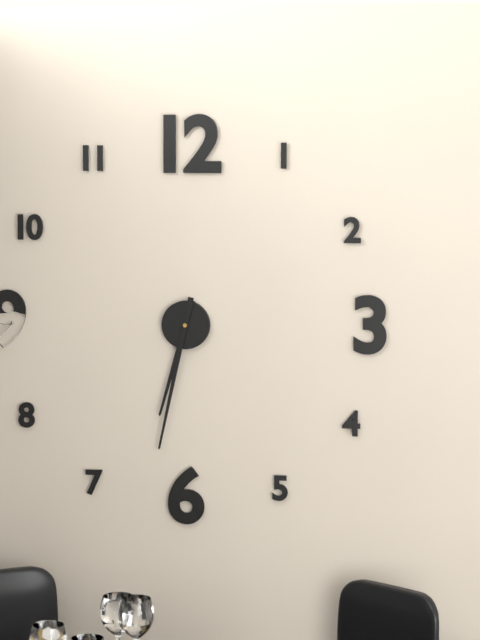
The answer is 6:32
